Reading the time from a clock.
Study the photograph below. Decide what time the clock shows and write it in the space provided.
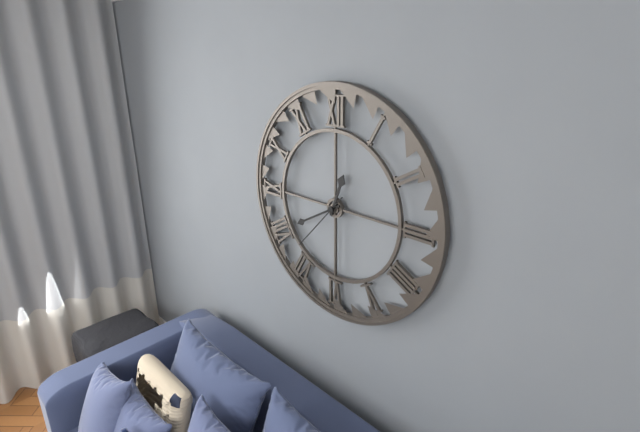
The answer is 12:40:37
